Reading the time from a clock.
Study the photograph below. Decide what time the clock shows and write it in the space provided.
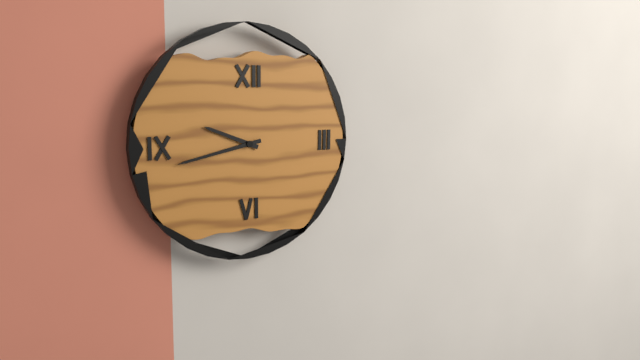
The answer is 9:43
